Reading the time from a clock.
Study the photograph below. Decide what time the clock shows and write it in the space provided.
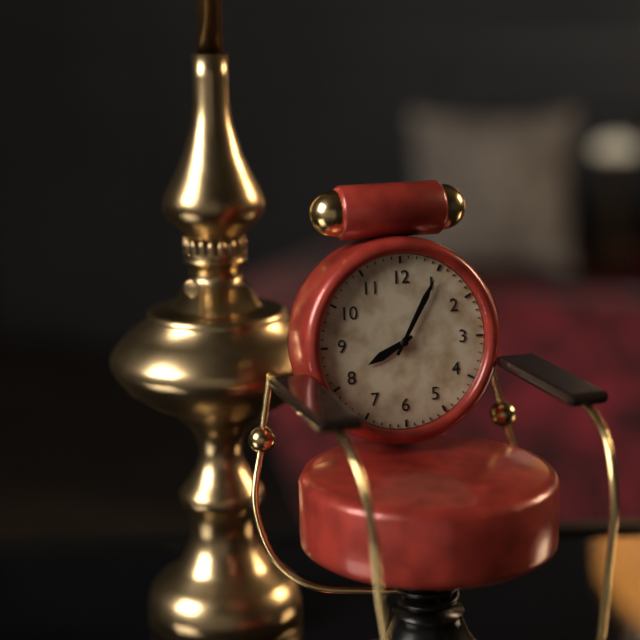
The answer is 8:05
